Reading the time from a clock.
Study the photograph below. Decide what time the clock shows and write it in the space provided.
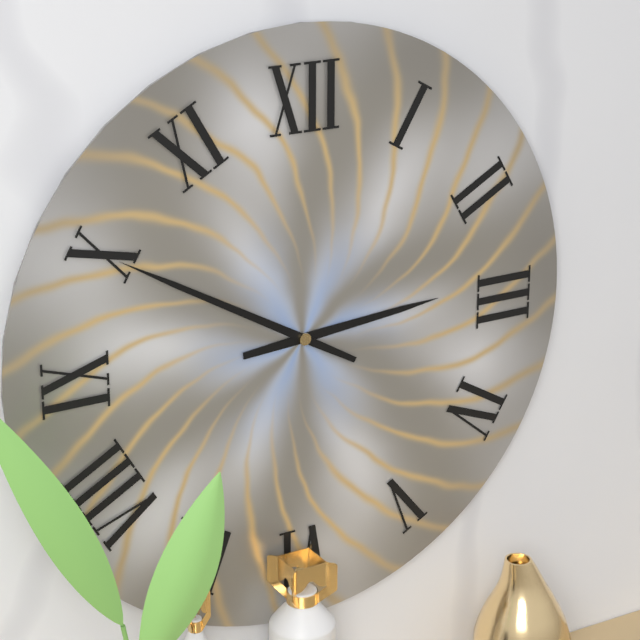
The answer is 2:50
